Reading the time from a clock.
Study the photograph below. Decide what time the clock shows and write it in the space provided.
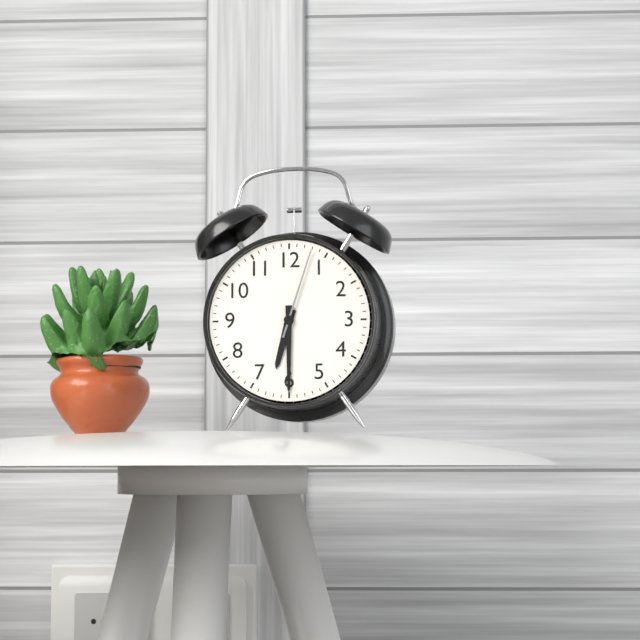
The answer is 6:30:03
